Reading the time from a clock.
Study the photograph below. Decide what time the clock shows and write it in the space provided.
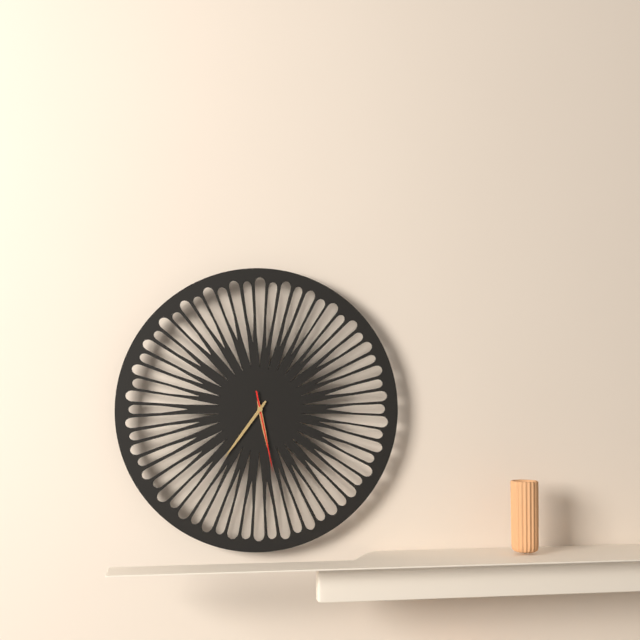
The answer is 5:36:28
